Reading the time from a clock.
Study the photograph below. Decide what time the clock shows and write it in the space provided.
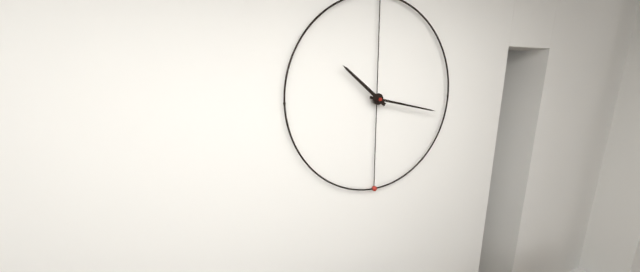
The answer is 10:17
